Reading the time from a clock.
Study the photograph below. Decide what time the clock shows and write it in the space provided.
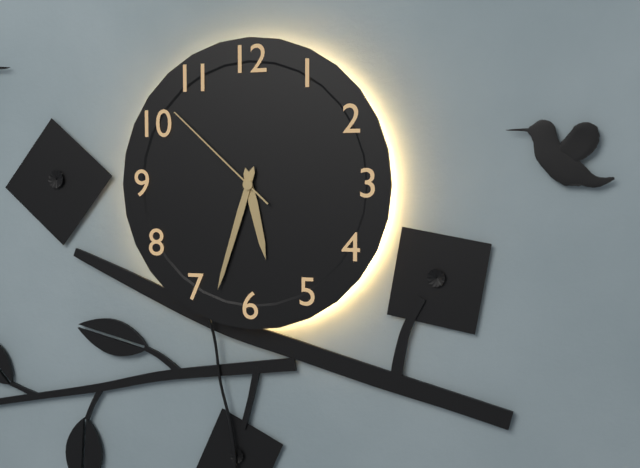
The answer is 5:33:52
